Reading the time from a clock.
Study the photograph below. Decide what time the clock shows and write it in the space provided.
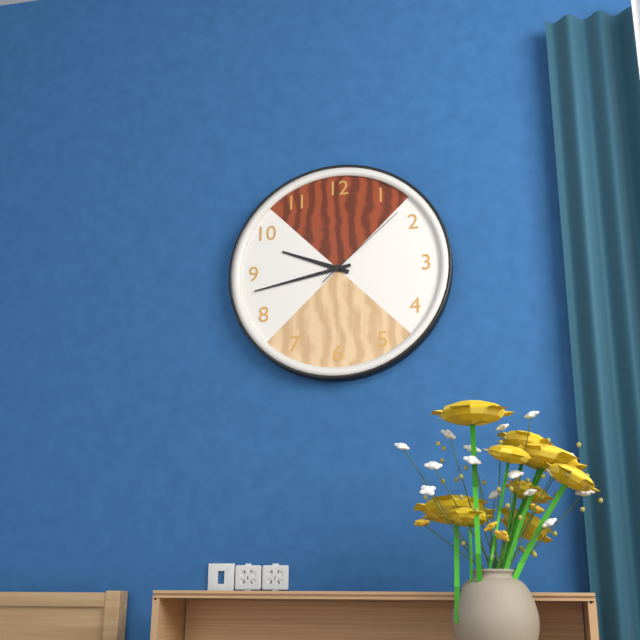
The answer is 9:43:08
